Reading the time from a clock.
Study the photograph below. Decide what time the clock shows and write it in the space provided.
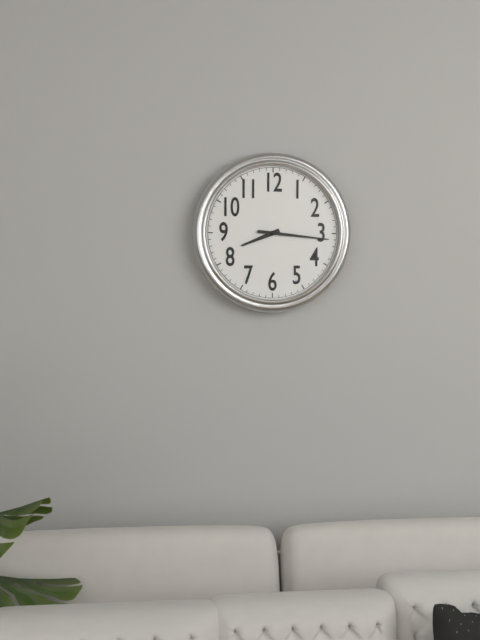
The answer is 8:16
